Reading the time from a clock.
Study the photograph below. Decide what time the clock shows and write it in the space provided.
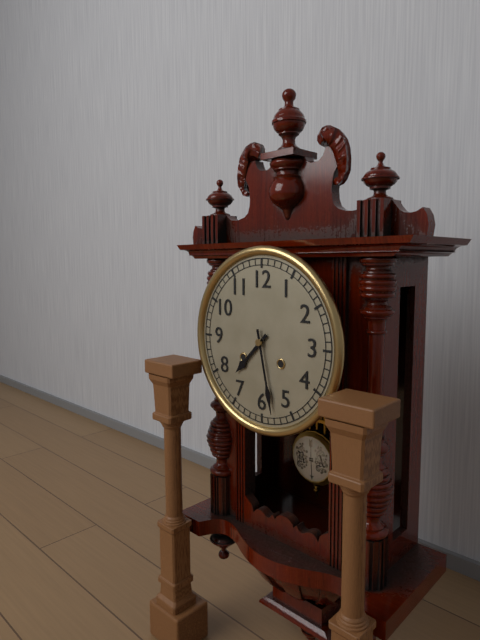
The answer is 7:28
